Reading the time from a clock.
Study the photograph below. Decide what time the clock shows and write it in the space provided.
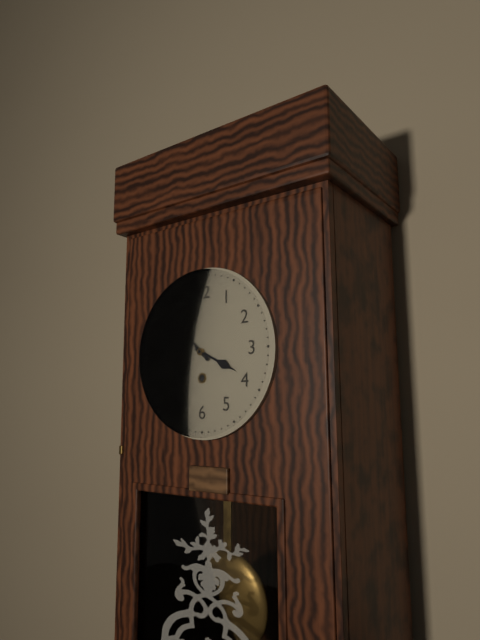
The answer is 3:52
